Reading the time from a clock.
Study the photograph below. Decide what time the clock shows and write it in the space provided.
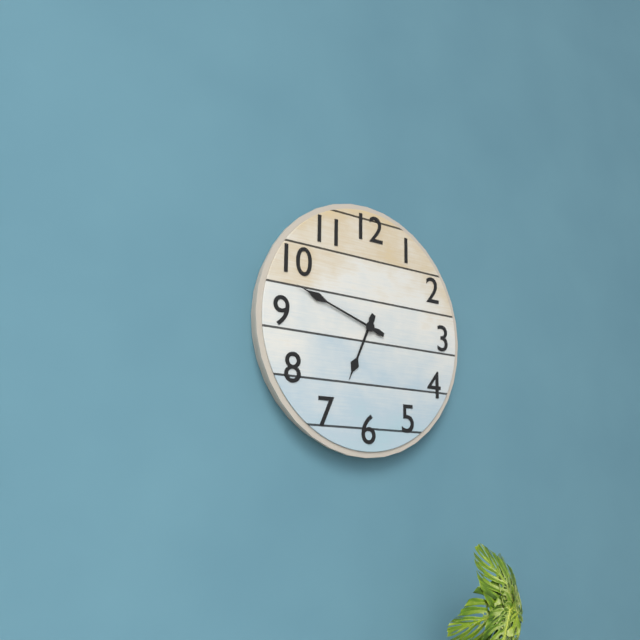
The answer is 6:48
